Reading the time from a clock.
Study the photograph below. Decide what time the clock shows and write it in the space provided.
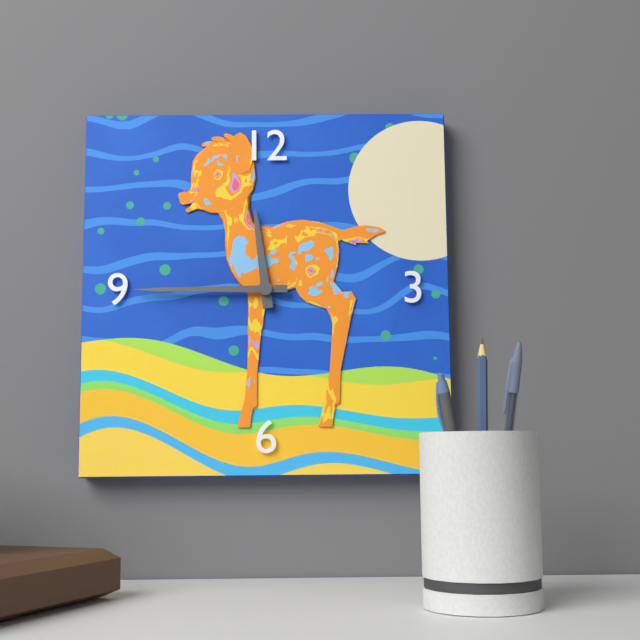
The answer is 11:45
